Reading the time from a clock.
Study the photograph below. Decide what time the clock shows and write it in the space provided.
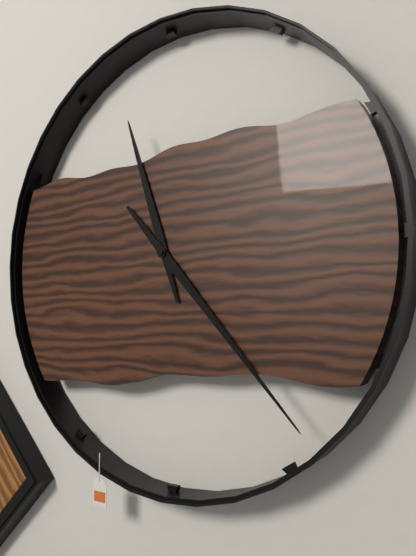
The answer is 11:23
